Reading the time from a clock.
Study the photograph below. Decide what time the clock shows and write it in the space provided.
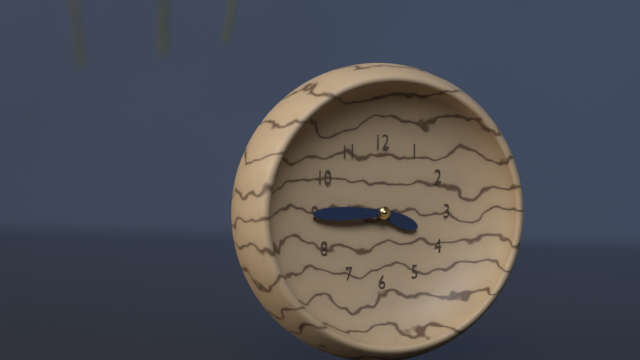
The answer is 3:45
